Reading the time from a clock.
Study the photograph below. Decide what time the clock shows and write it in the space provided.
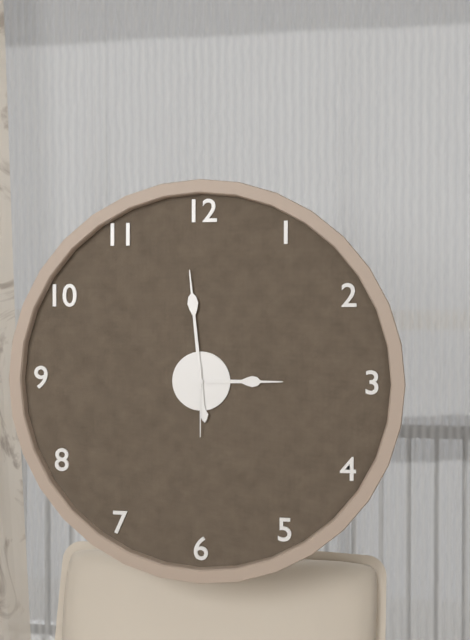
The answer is 2:59:30
